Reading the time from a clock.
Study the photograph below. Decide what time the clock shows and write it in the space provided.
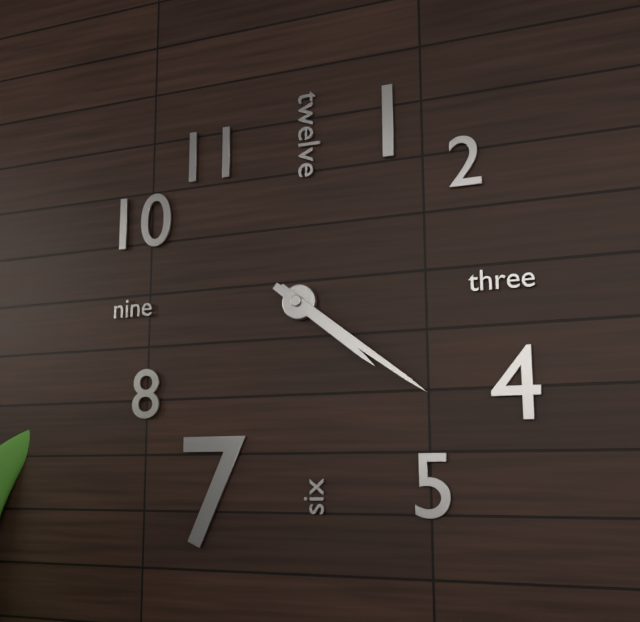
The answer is 4:21
